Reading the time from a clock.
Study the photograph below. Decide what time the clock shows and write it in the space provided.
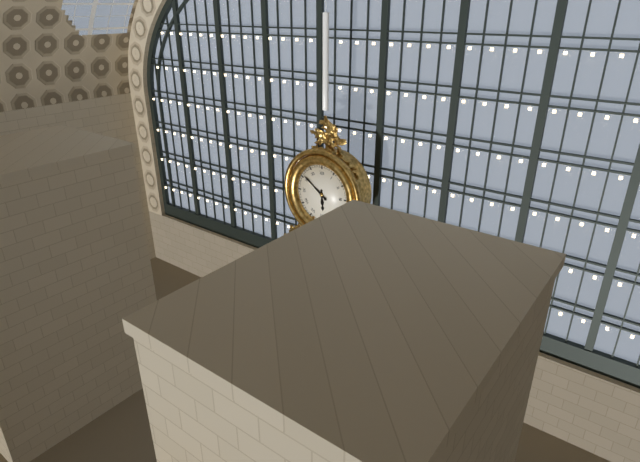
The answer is 5:51
